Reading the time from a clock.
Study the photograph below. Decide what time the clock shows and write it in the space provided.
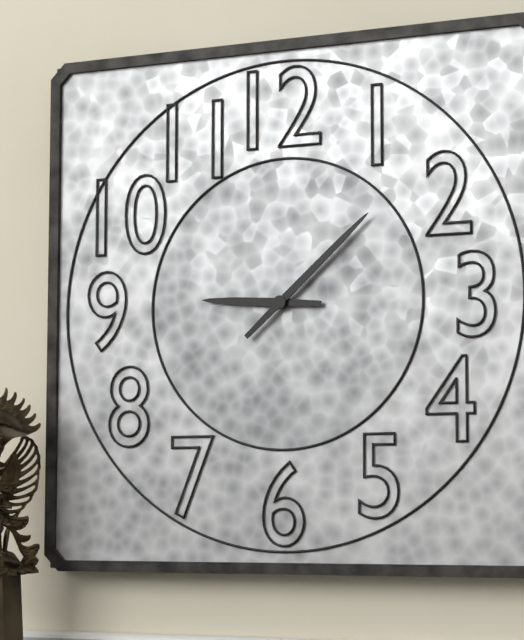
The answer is 9:08
